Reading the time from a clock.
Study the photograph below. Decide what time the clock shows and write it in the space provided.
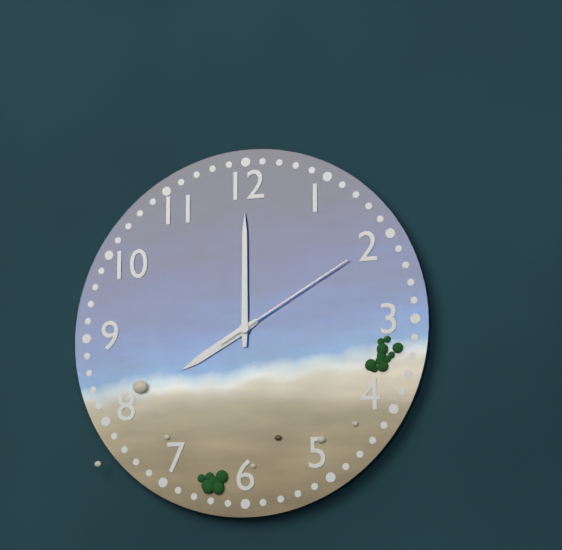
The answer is 8:00:10
